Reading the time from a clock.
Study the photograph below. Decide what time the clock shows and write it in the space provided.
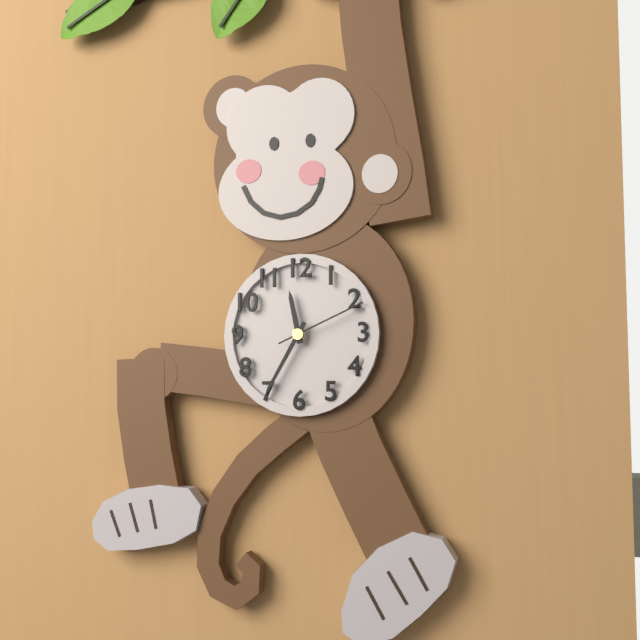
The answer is 11:35:11
